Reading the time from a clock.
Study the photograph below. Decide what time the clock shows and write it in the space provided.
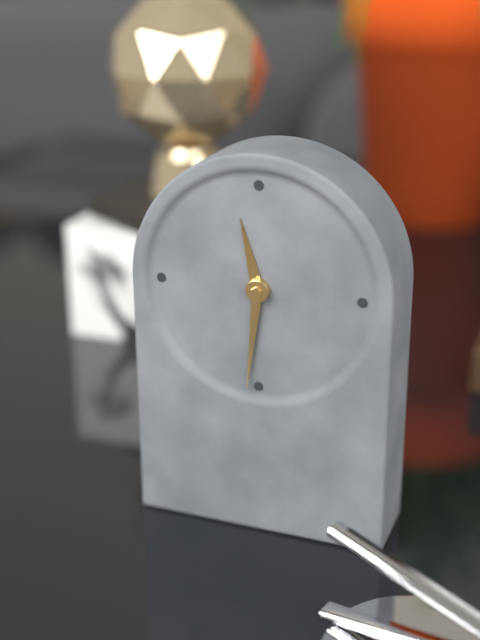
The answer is 11:31
